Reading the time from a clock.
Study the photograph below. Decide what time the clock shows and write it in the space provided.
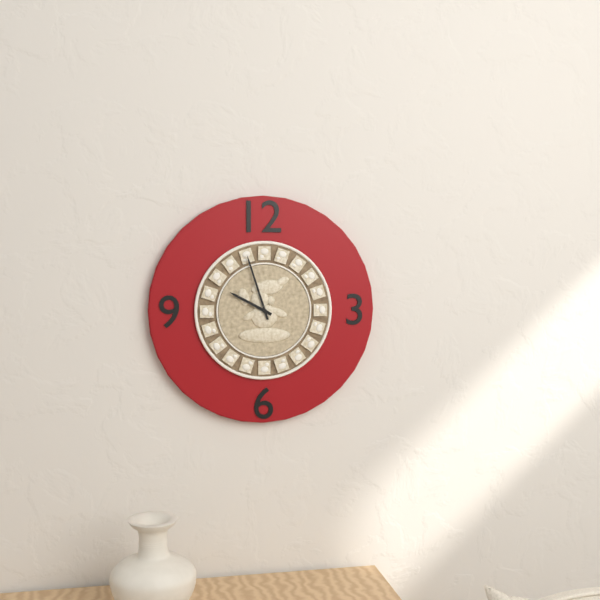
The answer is 9:57
